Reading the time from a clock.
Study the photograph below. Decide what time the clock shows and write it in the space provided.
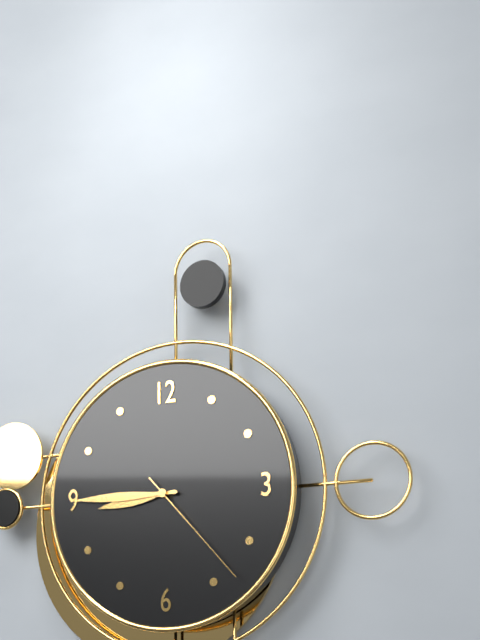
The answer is 8:45:23
